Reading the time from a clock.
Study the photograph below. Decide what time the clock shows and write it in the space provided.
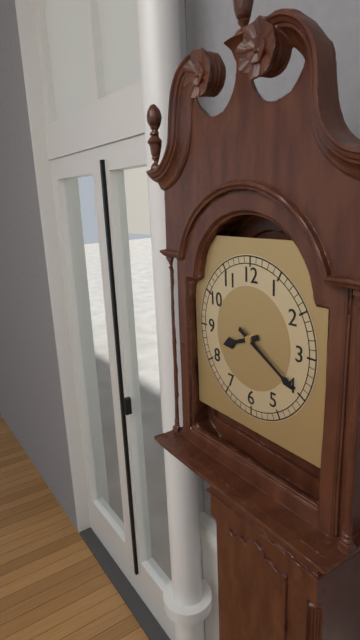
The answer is 8:20
